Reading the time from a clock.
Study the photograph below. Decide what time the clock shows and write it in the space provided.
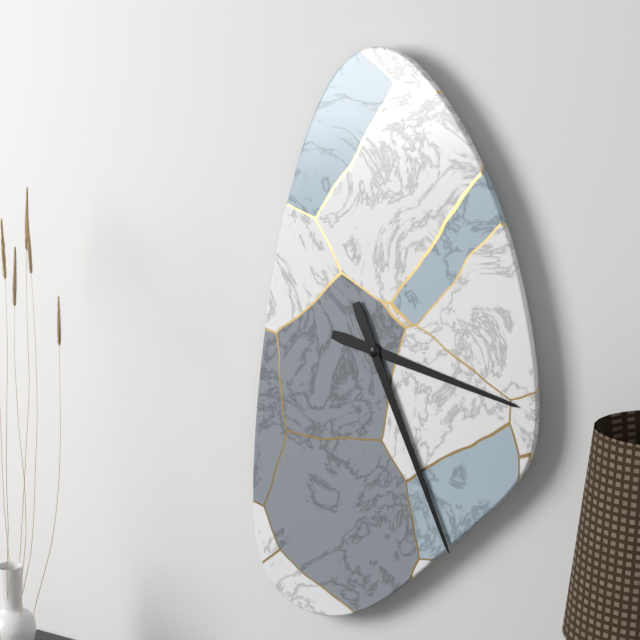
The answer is 3:26
